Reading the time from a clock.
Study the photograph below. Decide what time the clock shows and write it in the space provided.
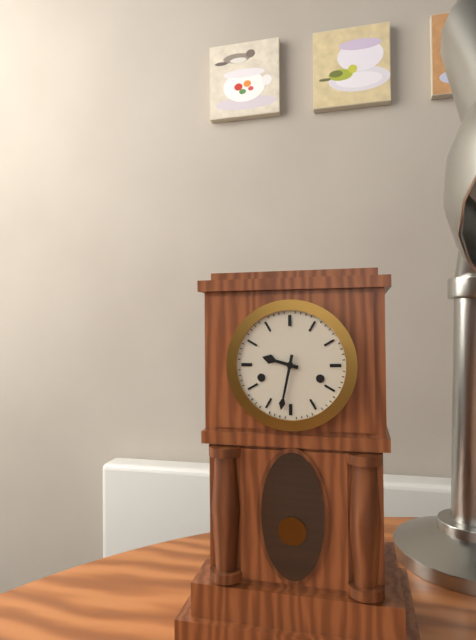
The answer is 9:32
